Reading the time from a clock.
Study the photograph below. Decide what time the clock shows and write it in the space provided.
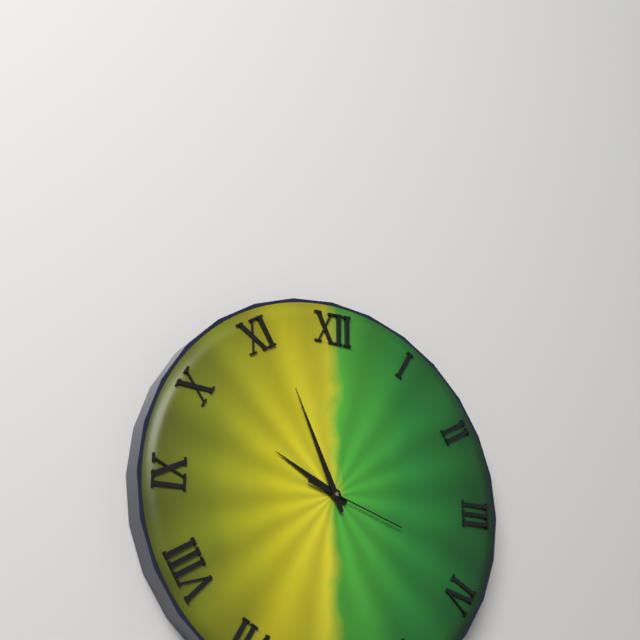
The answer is 9:56:18
